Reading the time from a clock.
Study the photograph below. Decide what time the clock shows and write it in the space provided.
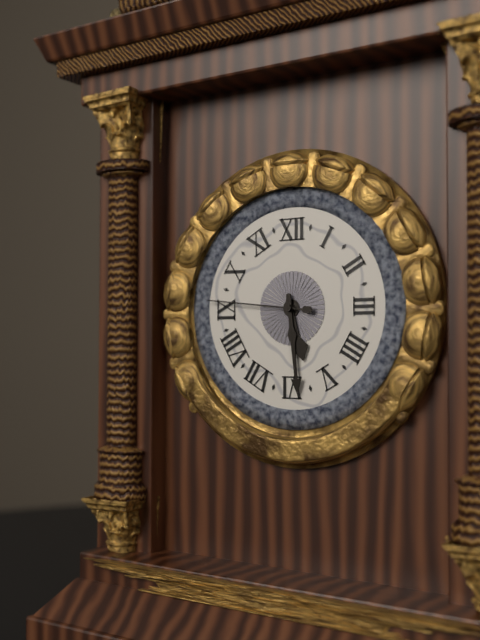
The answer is 5:29:46
